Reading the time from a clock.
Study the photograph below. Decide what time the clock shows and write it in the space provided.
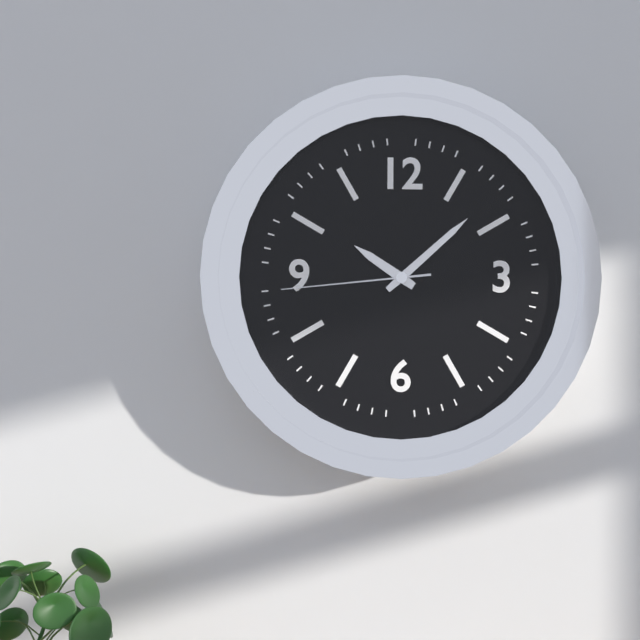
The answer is 10:08:44
